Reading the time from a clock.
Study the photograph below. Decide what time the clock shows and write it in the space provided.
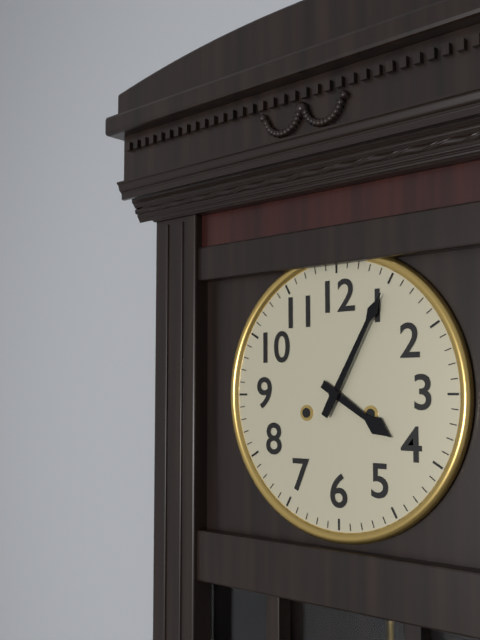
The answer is 4:05
